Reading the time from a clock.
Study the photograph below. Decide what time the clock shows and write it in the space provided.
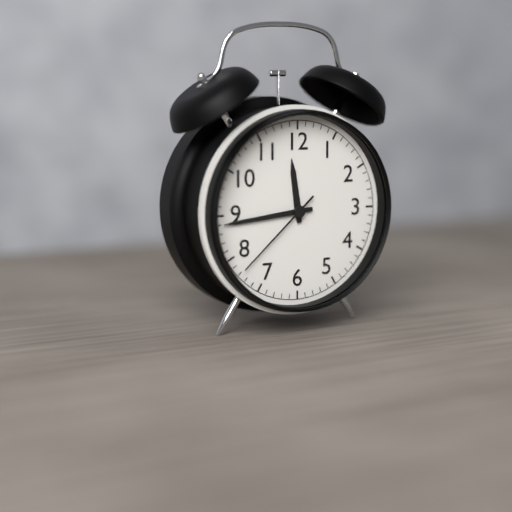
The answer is 11:44:38
